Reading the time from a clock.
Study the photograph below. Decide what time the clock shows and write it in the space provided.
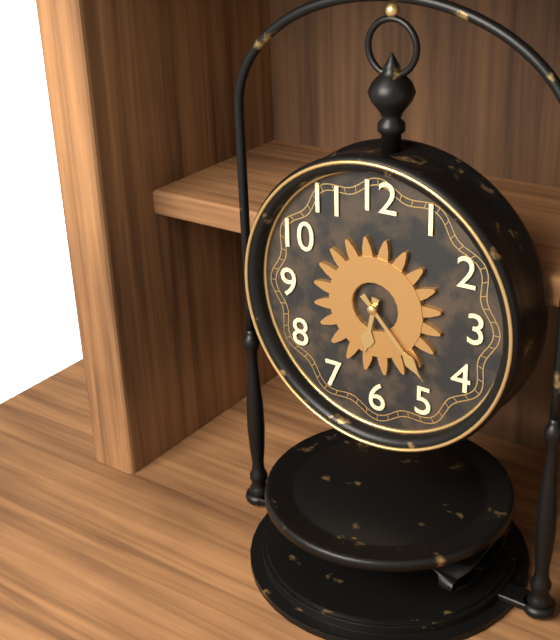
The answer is 6:23
